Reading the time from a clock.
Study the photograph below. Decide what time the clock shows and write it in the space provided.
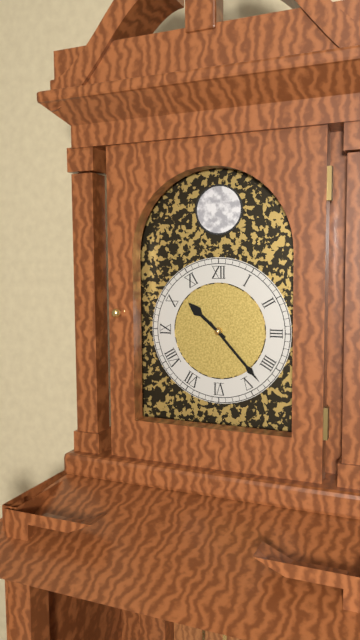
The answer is 10:23
